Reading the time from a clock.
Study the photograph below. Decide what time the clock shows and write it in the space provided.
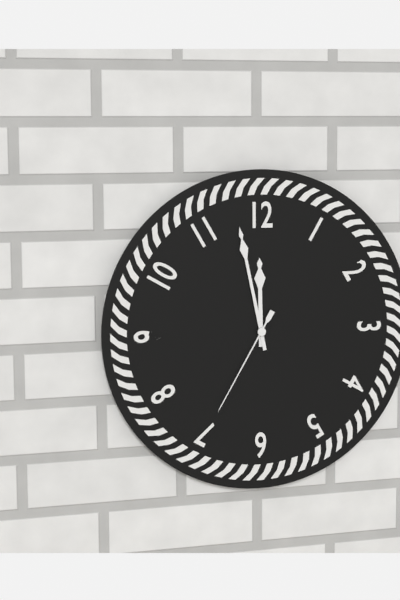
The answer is 11:58:35
